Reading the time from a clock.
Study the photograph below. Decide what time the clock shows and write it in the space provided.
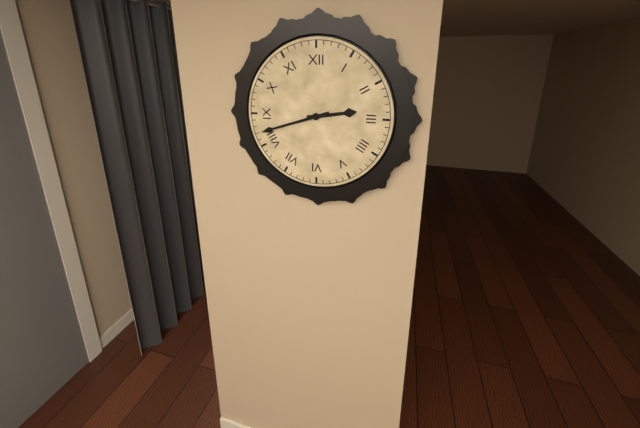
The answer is 2:42
